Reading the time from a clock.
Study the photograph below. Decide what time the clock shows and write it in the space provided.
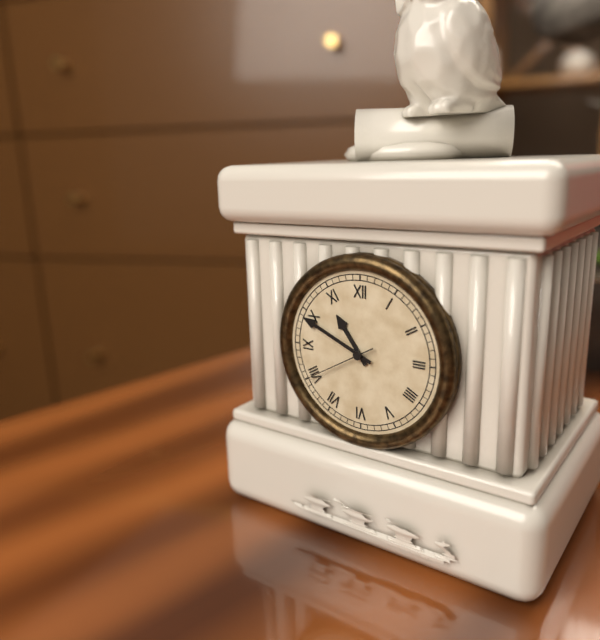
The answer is 10:49:40
